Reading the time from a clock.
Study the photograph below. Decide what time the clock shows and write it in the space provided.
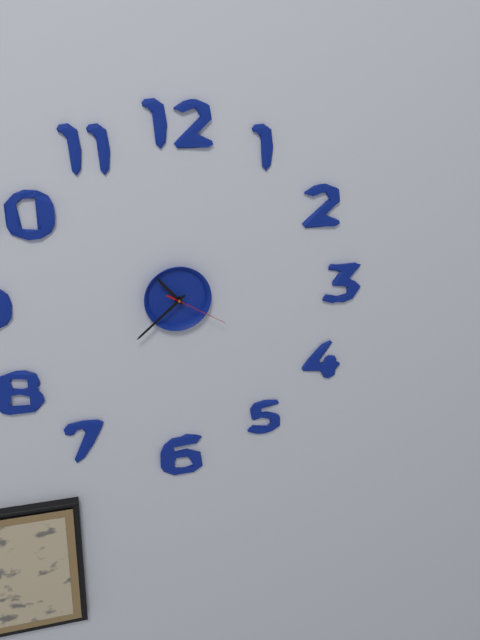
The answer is 10:38:20
